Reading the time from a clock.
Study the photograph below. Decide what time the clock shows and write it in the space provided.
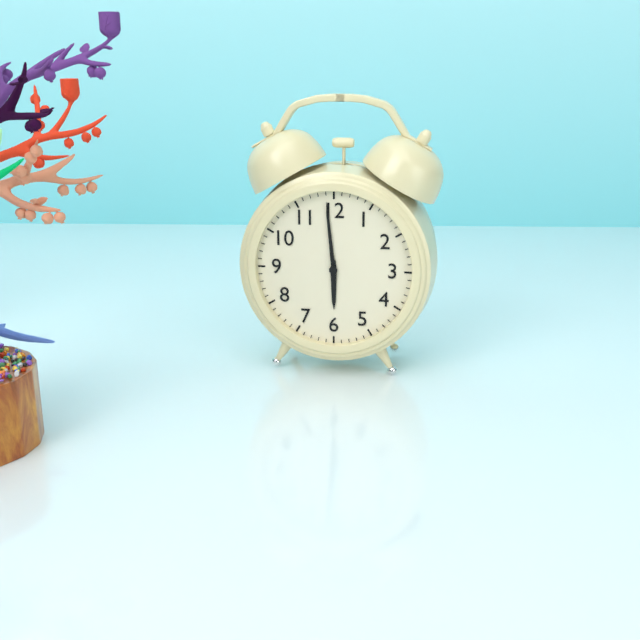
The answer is 5:59
